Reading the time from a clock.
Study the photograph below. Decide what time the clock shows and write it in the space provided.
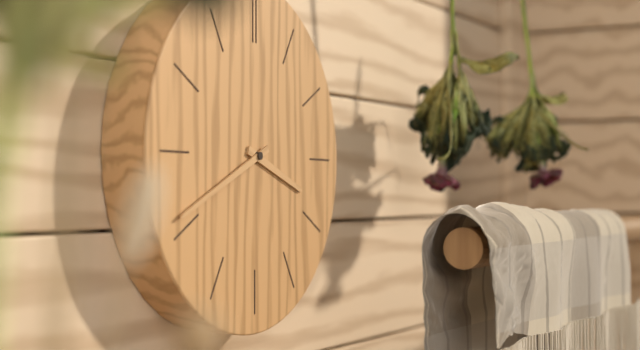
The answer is 3:41
